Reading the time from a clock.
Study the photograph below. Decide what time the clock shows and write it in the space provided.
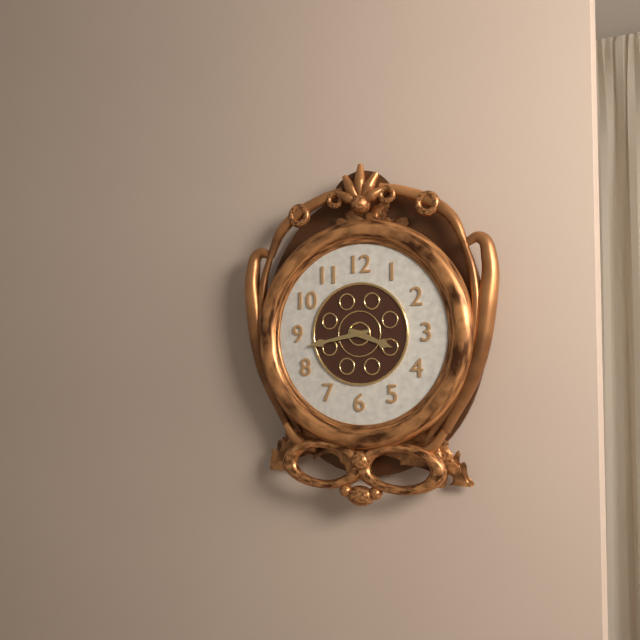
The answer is 3:43
